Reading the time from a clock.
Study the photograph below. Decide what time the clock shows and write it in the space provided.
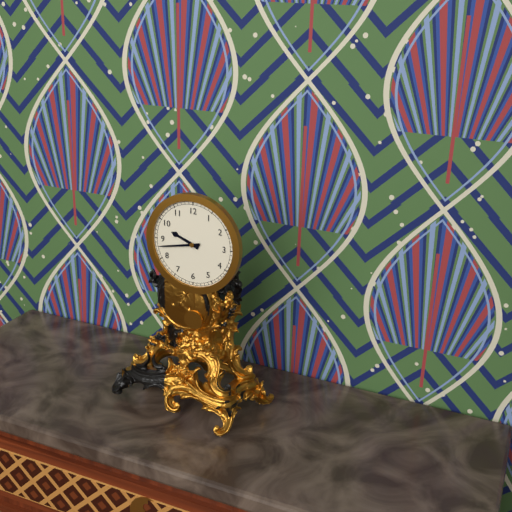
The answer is 9:43
